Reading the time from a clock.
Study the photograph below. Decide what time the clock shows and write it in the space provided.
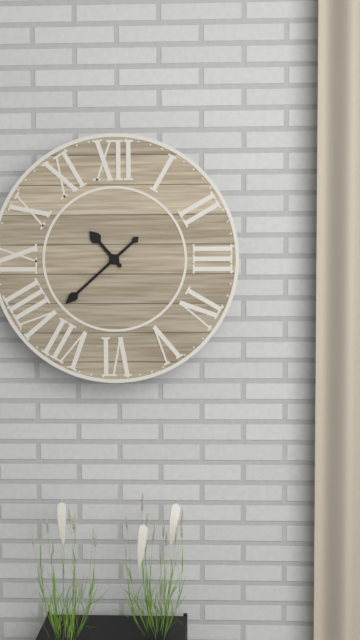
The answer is 10:38
